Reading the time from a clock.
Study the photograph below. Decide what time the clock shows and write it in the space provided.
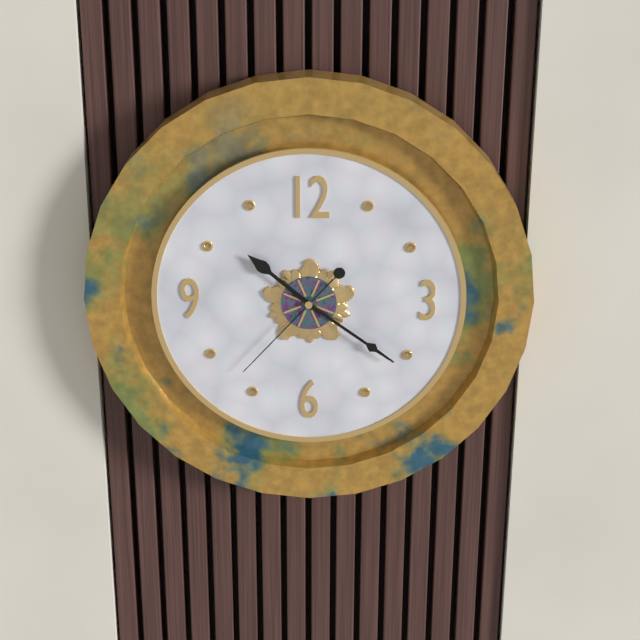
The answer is 10:21:37
